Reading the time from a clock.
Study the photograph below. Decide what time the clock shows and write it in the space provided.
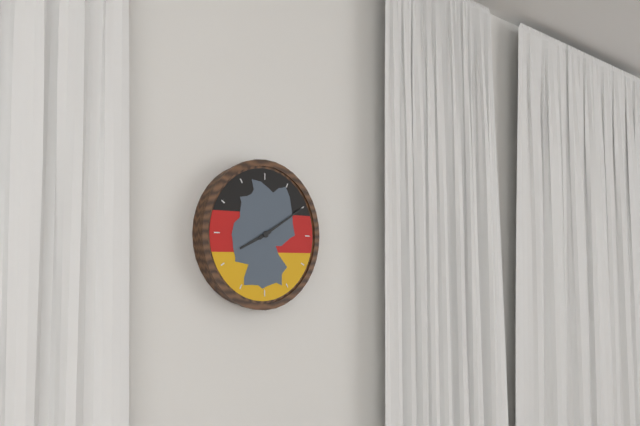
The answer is 8:10
